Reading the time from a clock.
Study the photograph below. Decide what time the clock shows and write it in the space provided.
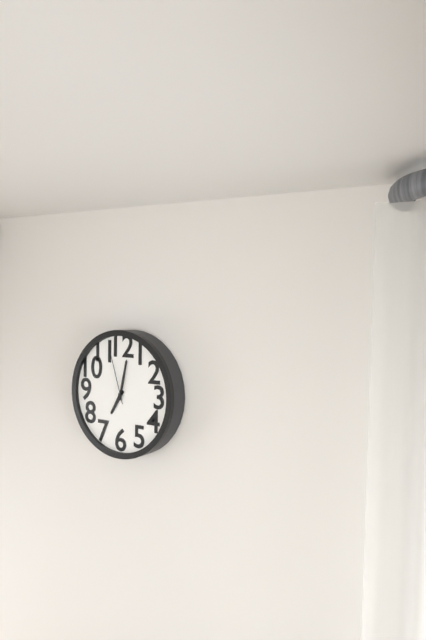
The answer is 7:02:57
